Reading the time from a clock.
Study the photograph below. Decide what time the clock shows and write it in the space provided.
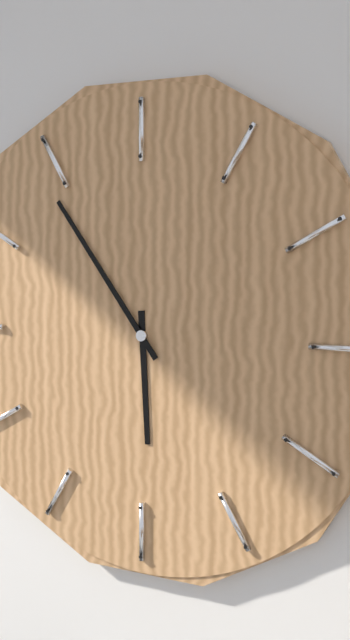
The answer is 5:54
